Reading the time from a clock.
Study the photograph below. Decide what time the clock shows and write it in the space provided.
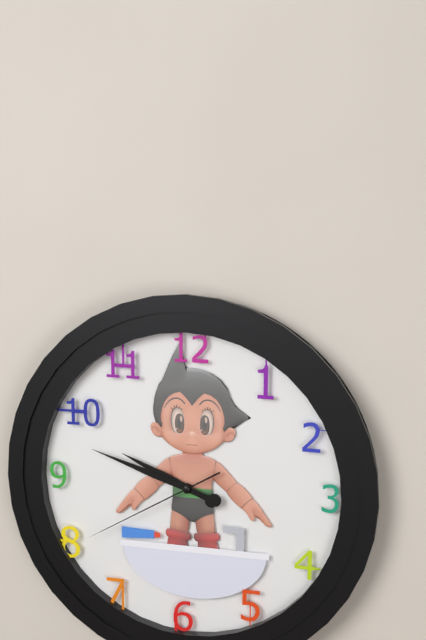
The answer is 9:48:40
